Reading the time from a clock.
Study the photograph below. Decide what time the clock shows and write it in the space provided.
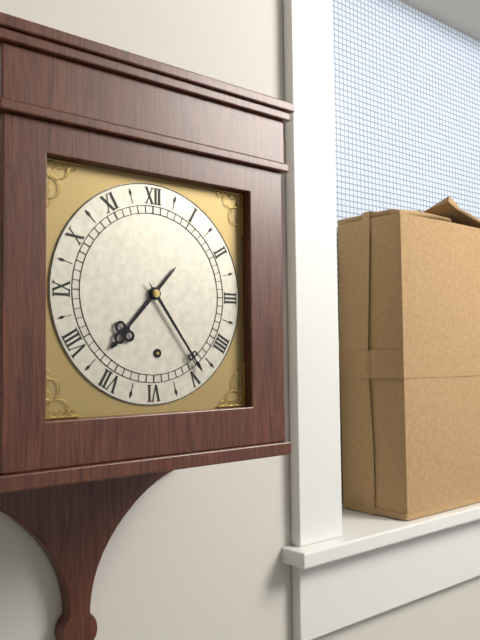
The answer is 7:24
